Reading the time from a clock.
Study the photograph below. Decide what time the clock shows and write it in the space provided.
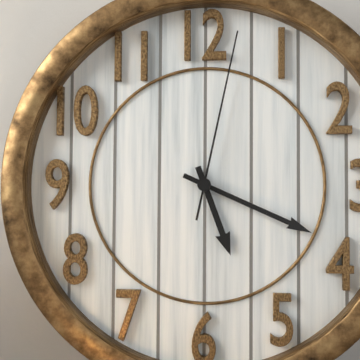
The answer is 5:19:02
